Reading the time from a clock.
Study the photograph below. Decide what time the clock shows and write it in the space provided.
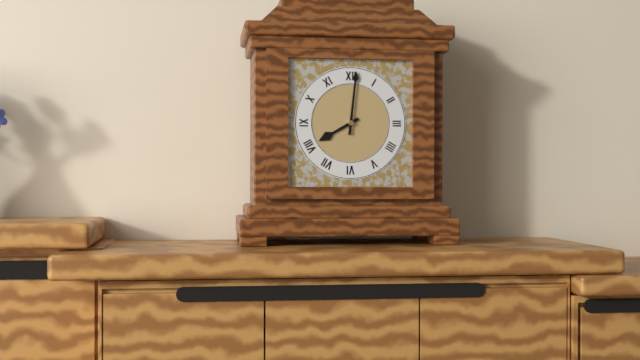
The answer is 8:01
